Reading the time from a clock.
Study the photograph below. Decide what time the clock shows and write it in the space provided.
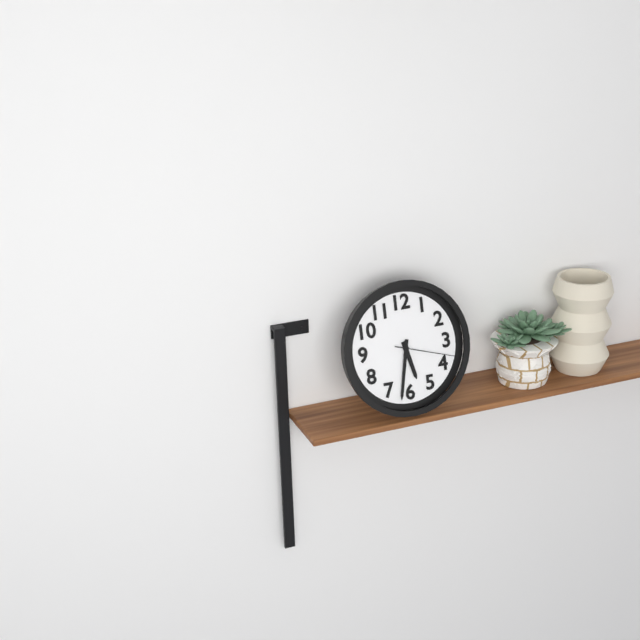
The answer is 5:32:18
